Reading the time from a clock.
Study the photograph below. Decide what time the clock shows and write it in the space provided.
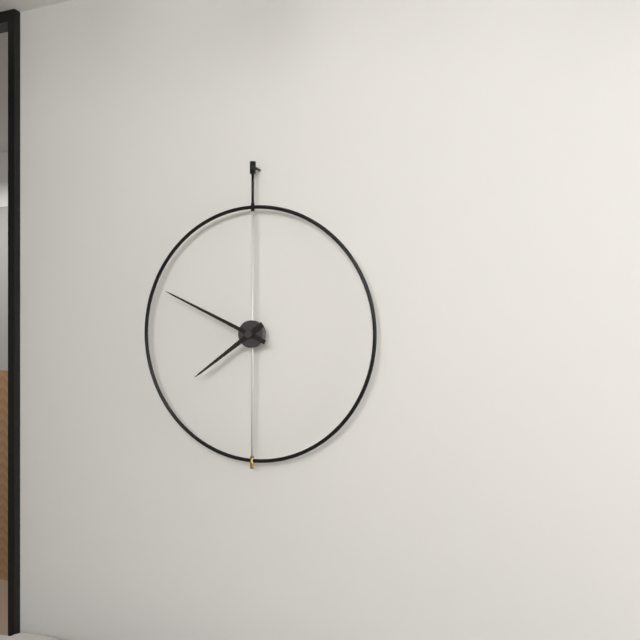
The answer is 7:49
